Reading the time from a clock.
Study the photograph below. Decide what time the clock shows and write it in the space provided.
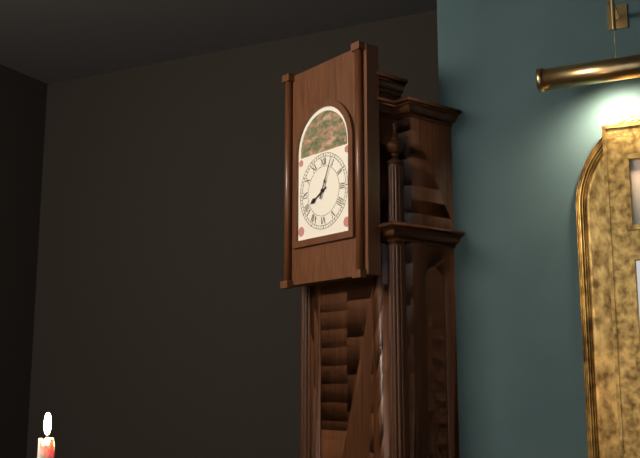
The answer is 8:04
